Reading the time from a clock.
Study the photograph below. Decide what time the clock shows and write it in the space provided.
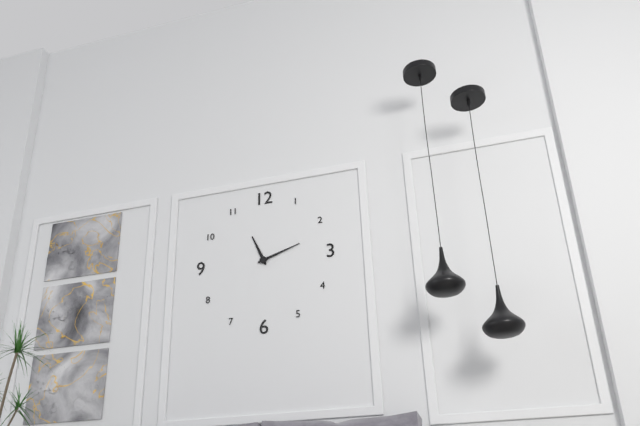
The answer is 11:12
